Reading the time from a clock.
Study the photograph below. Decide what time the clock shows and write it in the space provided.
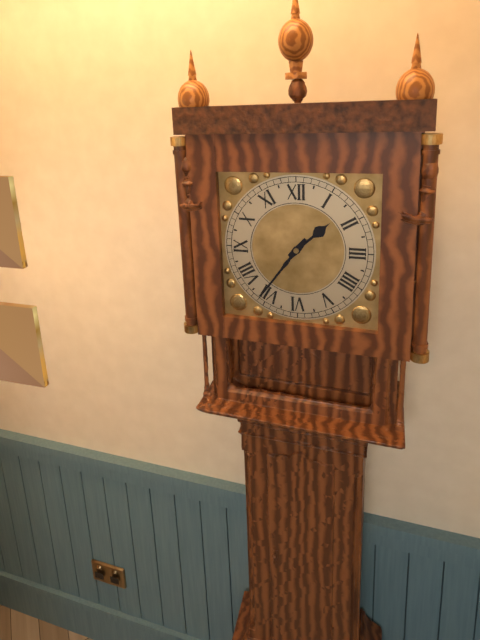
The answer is 1:36
